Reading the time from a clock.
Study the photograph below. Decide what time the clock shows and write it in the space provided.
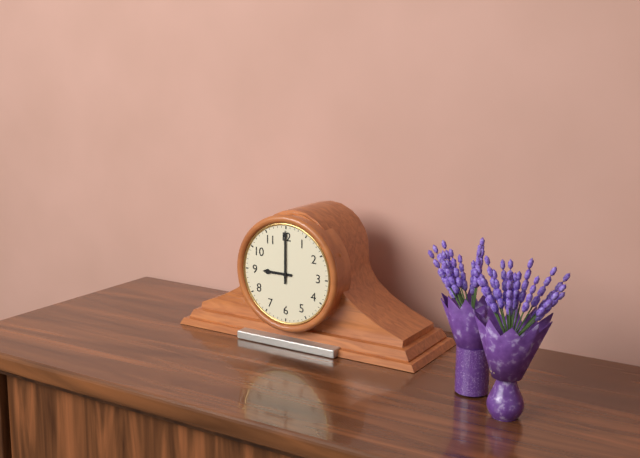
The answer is 9:00
